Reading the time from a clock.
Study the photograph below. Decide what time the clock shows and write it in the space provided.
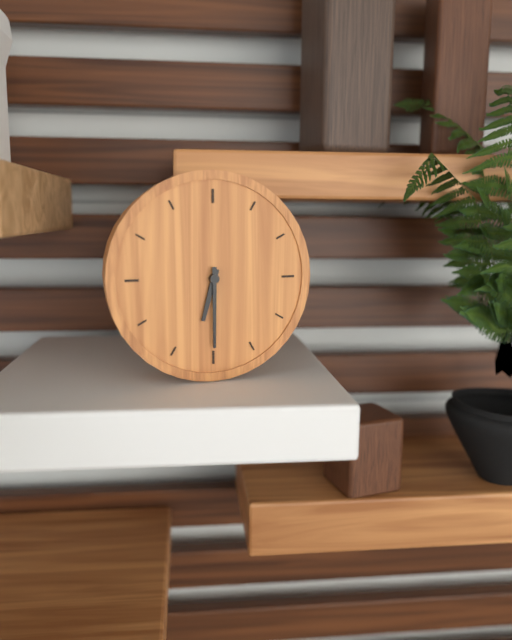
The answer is 6:30
